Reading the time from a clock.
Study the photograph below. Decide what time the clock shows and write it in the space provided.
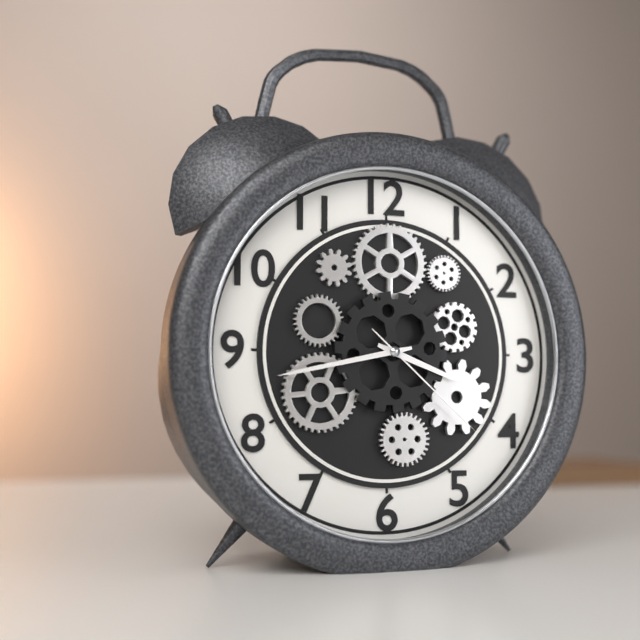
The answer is 3:43:22
